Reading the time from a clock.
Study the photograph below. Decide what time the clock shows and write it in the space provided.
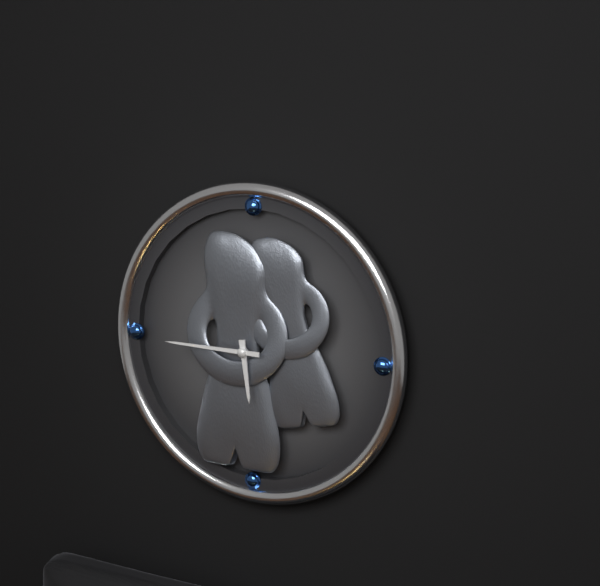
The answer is 5:45
